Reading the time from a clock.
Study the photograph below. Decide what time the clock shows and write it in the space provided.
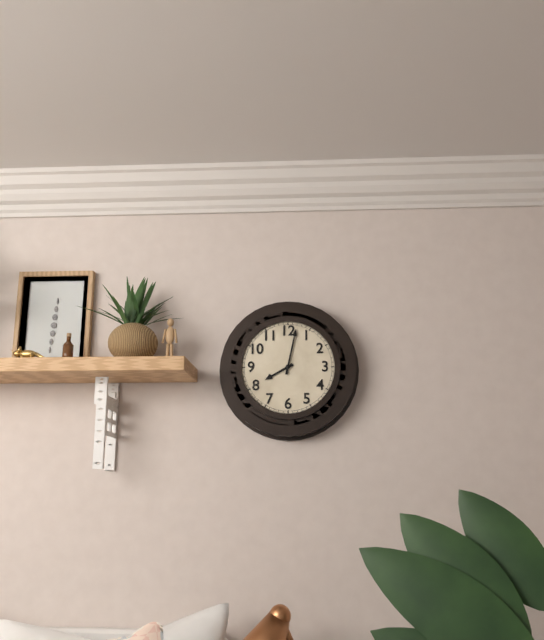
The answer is 8:02
